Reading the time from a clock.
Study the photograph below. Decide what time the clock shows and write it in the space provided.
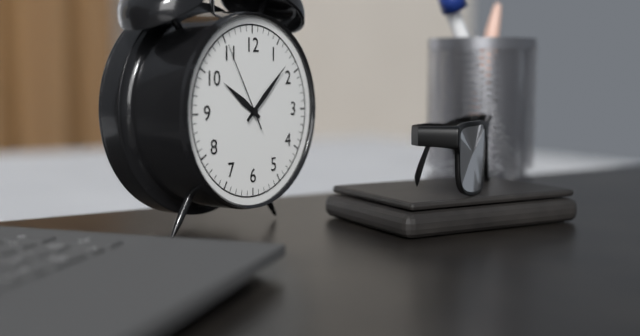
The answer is 10:08:55
